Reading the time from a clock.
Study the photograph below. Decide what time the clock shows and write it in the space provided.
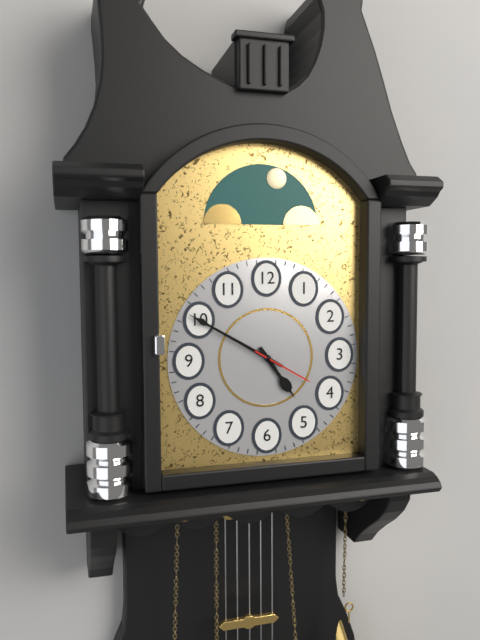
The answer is 4:50:20
